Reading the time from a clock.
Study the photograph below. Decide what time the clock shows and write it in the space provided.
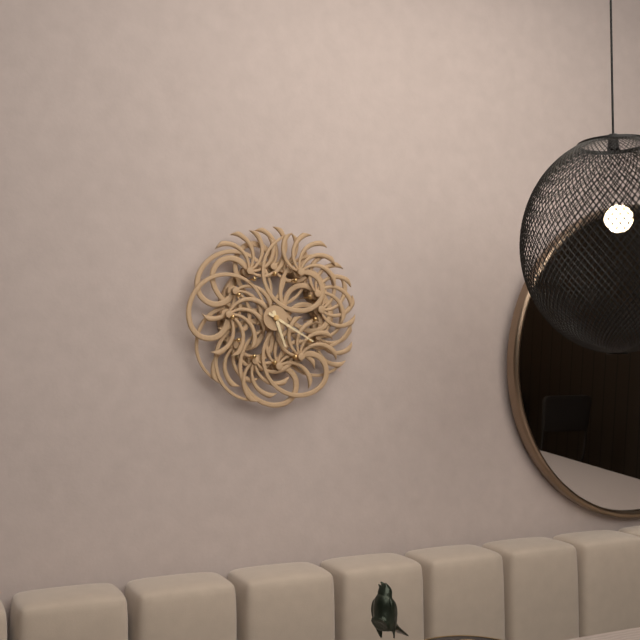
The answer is 5:20
